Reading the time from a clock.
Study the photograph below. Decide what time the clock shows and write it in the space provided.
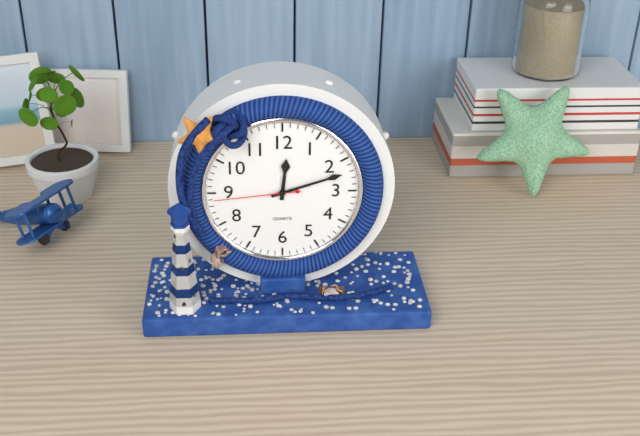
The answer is 12:12:44
